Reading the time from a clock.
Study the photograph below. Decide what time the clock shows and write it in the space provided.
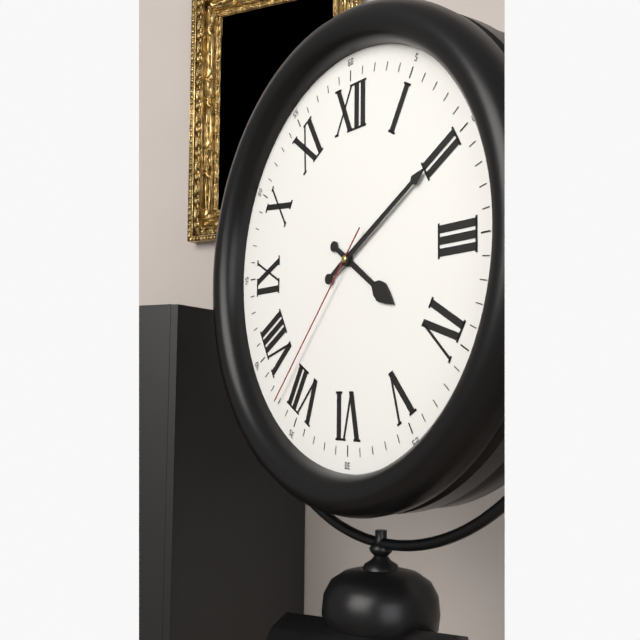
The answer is 4:10:37
